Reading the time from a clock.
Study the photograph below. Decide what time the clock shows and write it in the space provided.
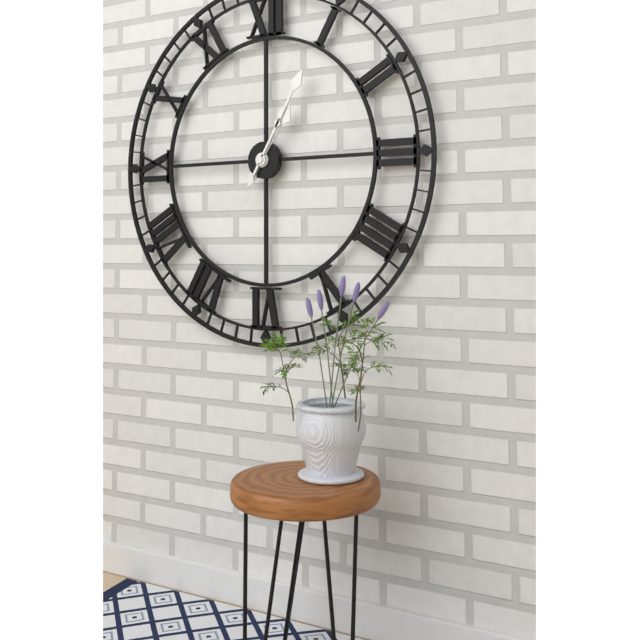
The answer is 1:05
